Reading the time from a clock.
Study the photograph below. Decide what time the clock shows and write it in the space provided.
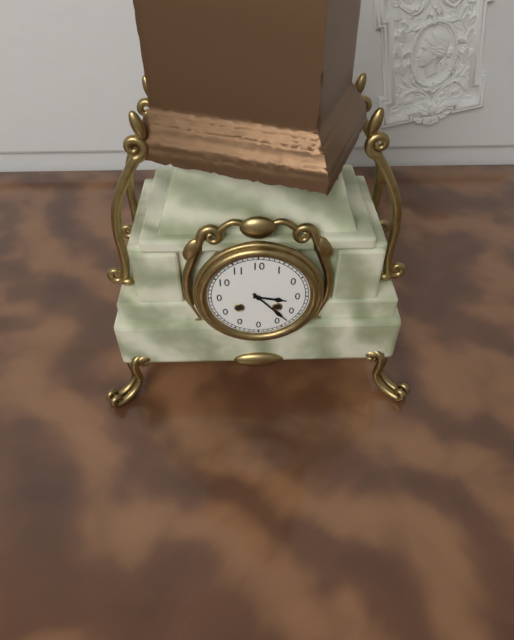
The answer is 3:23
